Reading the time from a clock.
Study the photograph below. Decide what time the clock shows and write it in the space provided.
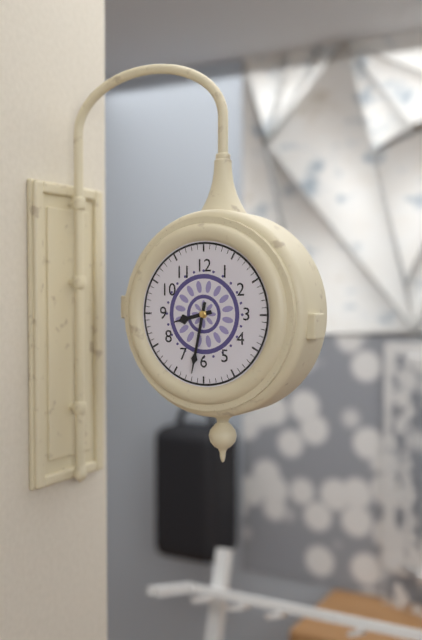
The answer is 8:32
